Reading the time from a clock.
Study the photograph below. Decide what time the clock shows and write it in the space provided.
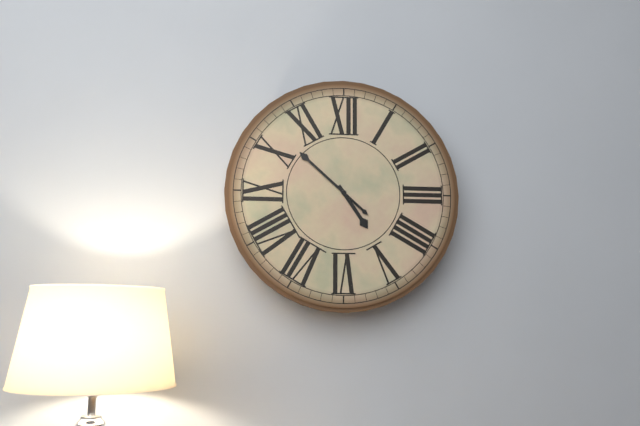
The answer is 4:52
